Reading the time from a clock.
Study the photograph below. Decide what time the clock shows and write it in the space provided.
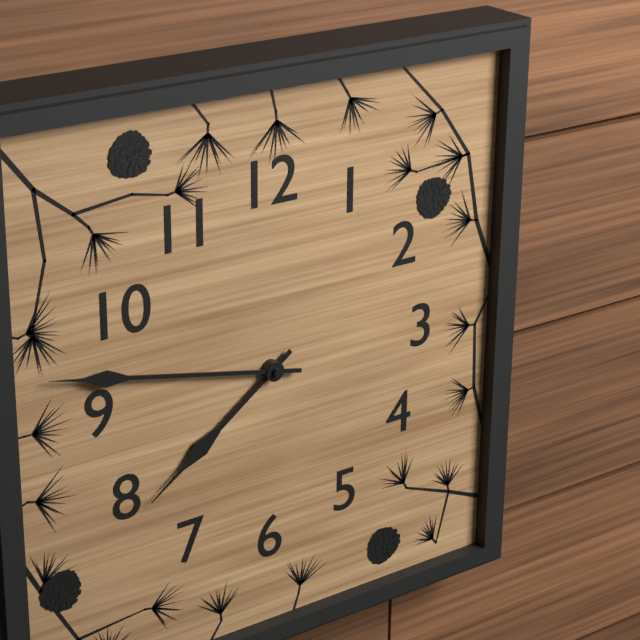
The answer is 7:47
